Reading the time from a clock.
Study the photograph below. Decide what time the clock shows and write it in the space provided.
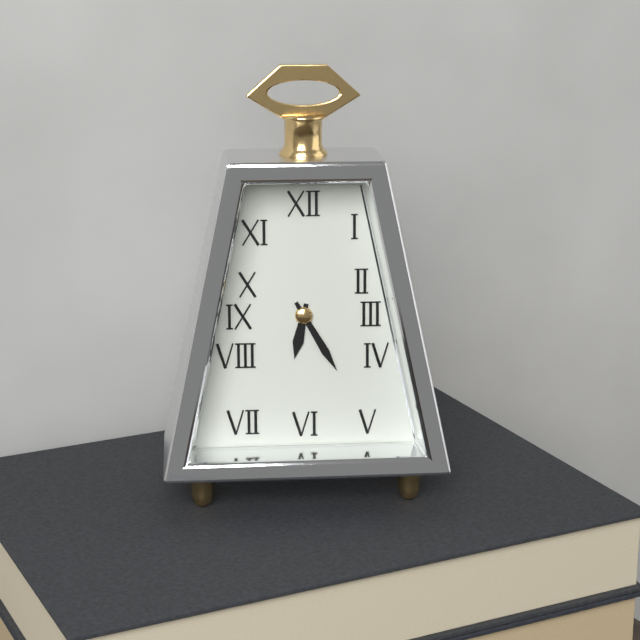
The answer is 6:25
